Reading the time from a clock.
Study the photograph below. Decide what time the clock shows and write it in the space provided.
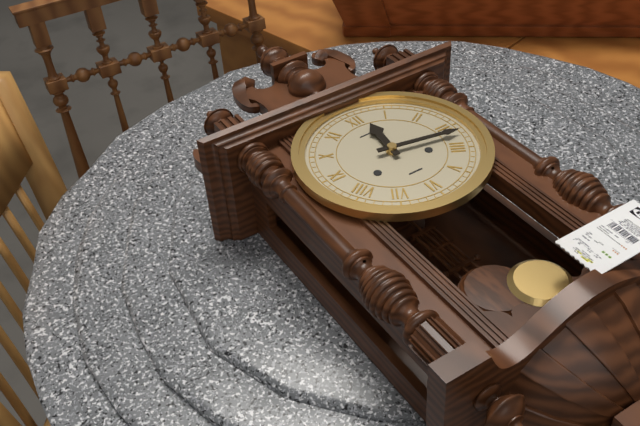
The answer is 12:17
